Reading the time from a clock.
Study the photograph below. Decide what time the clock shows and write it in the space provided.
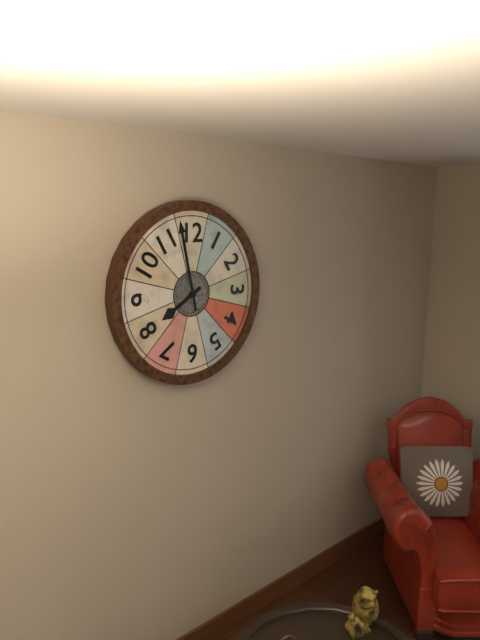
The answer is 7:58
